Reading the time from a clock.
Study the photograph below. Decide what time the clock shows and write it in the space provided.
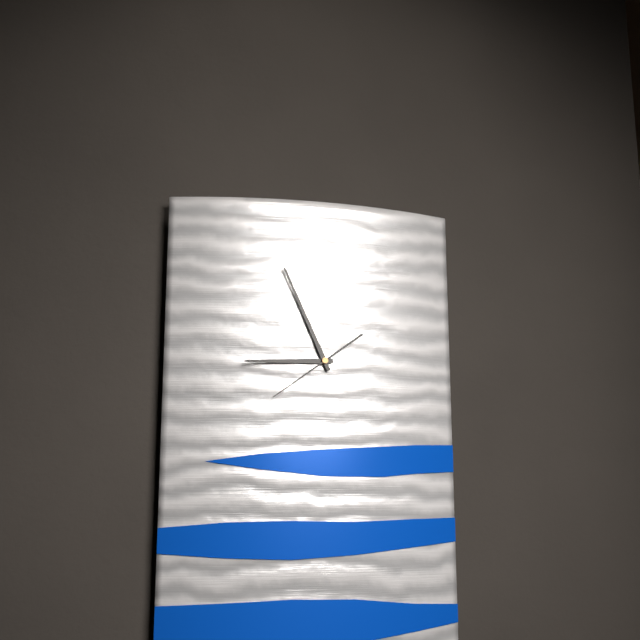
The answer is 8:56:39
